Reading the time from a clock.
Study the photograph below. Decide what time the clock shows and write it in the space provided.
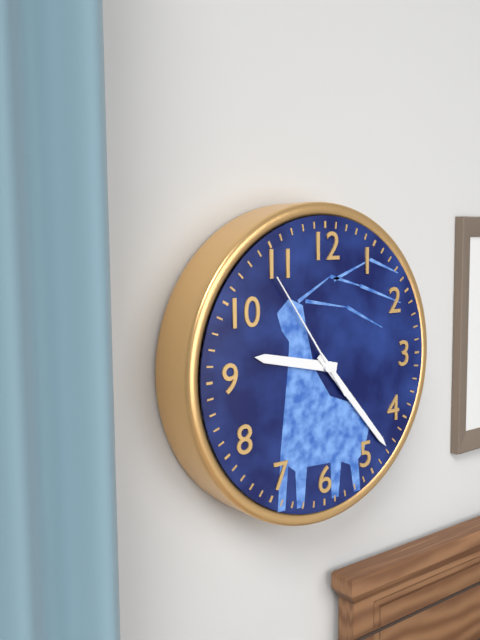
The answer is 9:23:54
